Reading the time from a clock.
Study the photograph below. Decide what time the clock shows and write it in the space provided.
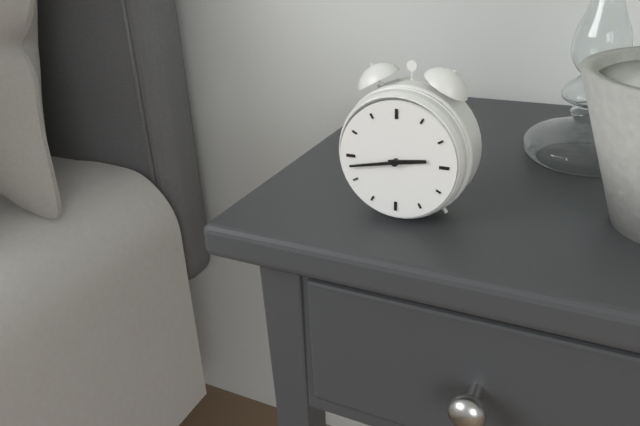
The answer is 2:43
